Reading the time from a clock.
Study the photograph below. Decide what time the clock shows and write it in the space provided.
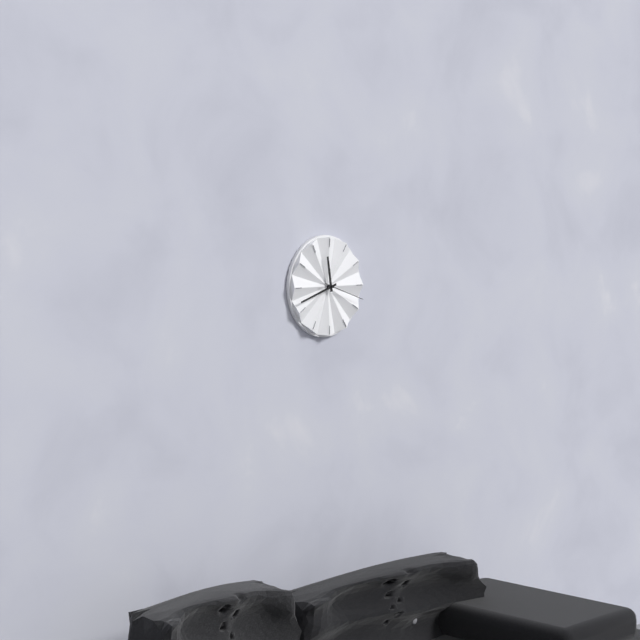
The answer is 11:42:18
